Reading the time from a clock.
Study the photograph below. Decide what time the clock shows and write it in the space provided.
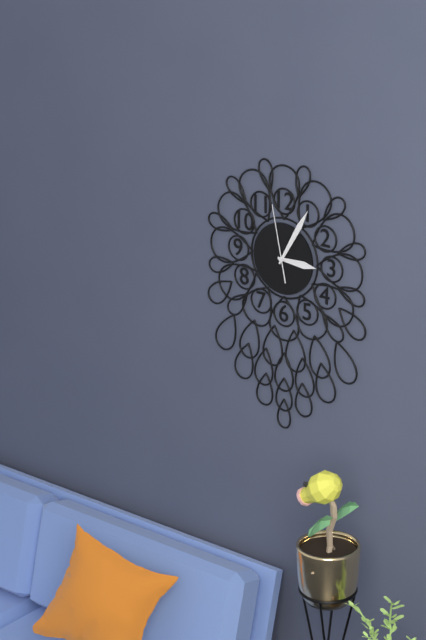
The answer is 3:05:58
